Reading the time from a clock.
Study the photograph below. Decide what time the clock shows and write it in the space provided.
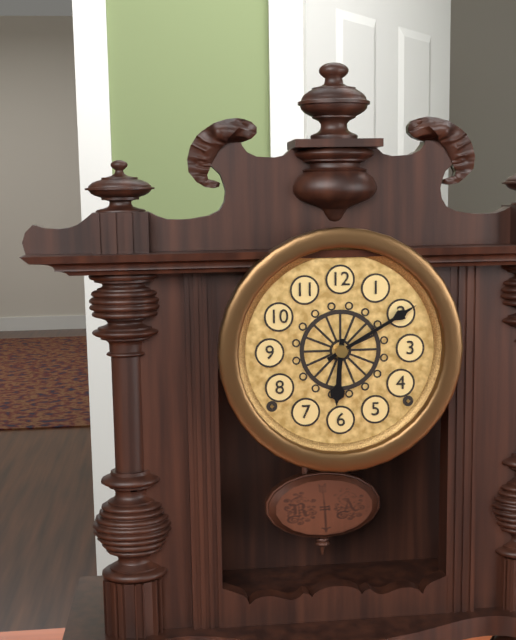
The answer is 6:10
